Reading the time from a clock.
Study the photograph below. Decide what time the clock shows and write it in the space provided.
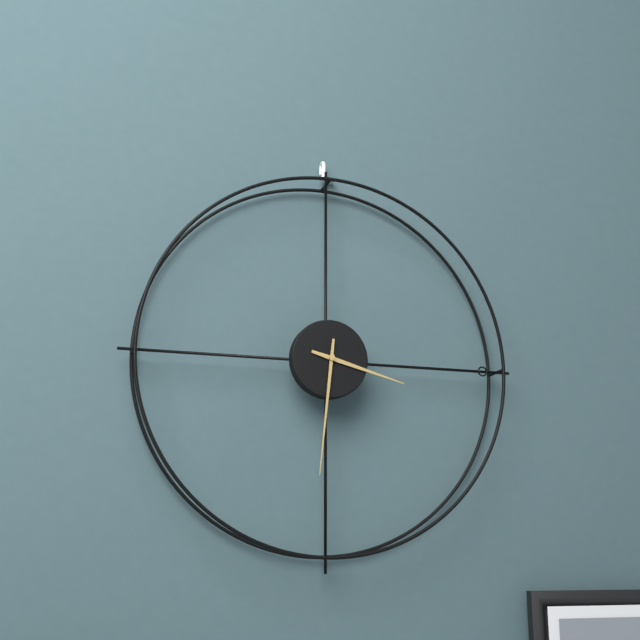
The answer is 3:31
